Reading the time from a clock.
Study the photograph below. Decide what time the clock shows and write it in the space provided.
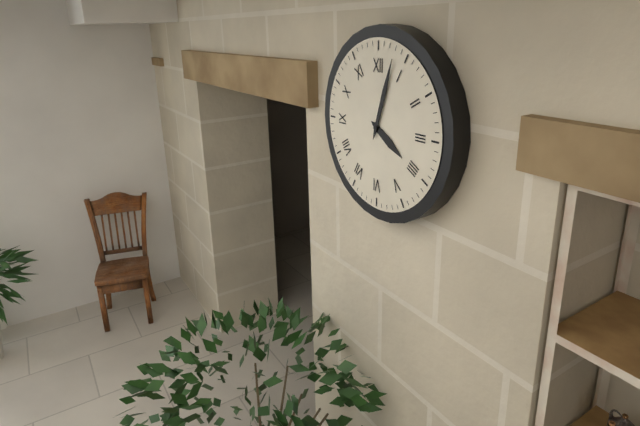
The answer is 4:03
